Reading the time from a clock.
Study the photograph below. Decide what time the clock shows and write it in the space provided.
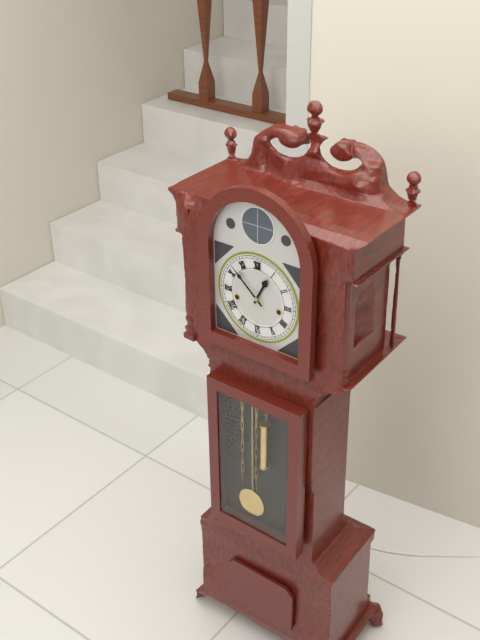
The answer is 12:52
